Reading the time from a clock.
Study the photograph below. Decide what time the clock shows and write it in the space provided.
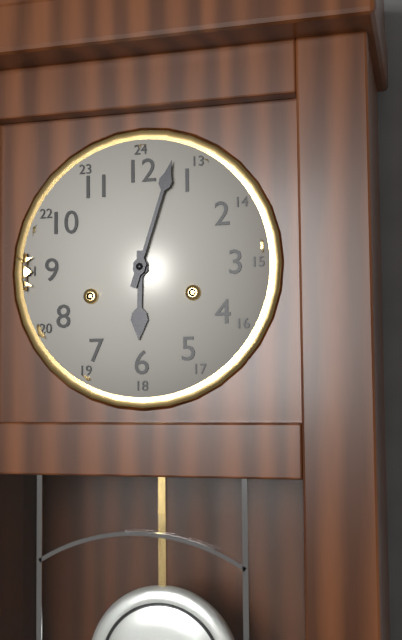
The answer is 6:03
